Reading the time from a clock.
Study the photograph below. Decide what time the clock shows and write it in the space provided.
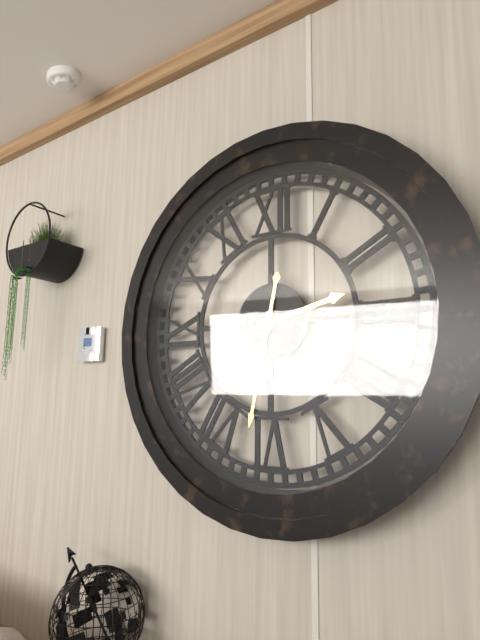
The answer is 2:32
